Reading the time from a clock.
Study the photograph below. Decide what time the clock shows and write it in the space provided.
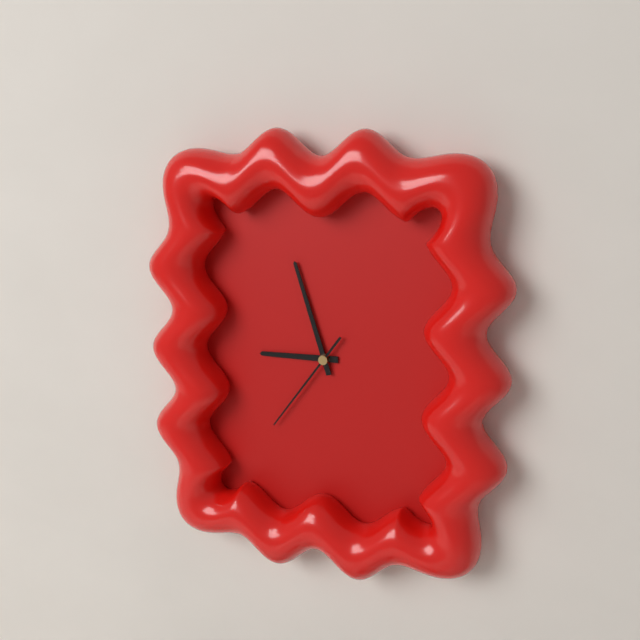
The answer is 8:57:36
